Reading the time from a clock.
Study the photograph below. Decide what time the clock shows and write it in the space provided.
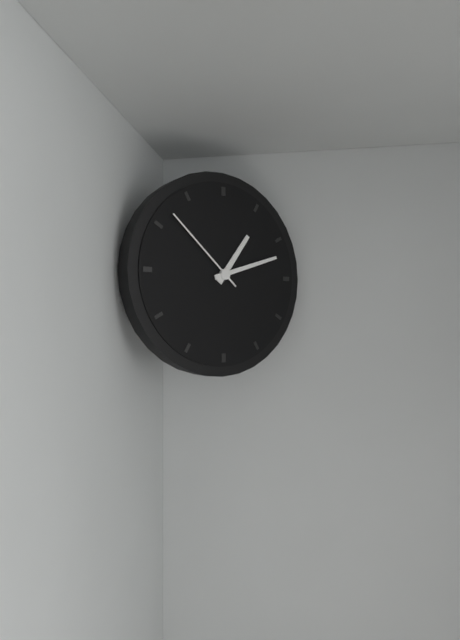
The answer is 1:12:52
